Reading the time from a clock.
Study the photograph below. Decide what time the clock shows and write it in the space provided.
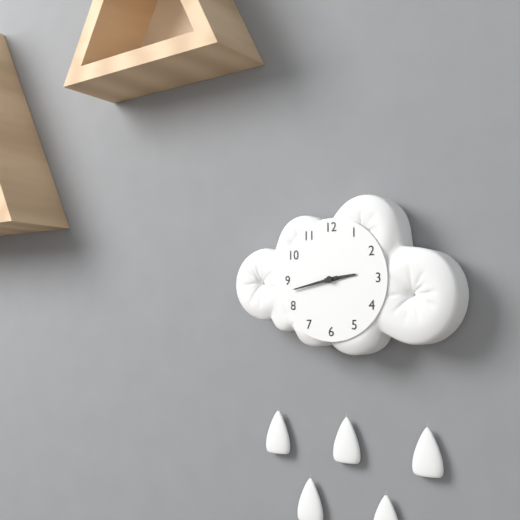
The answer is 2:43
